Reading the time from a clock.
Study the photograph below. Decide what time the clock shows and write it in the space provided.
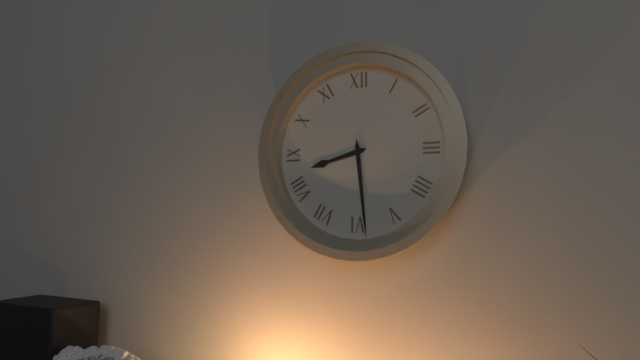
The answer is 8:29
